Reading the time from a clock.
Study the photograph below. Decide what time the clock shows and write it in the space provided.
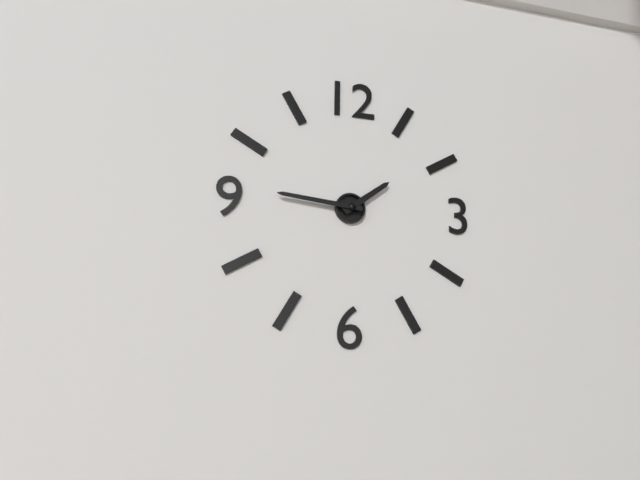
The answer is 1:46
